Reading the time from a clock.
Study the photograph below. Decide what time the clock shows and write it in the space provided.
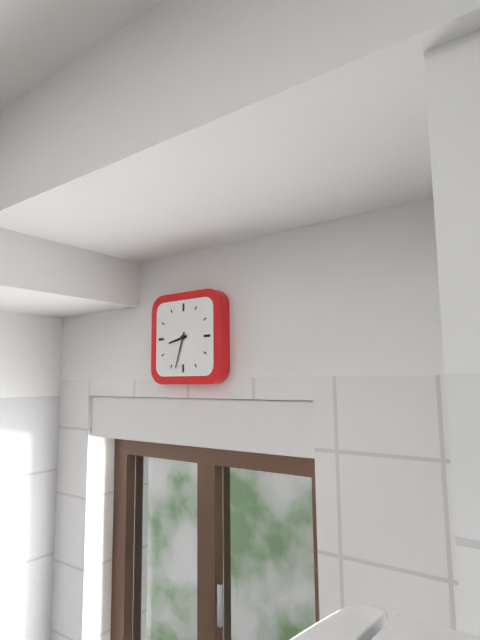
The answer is 8:33
